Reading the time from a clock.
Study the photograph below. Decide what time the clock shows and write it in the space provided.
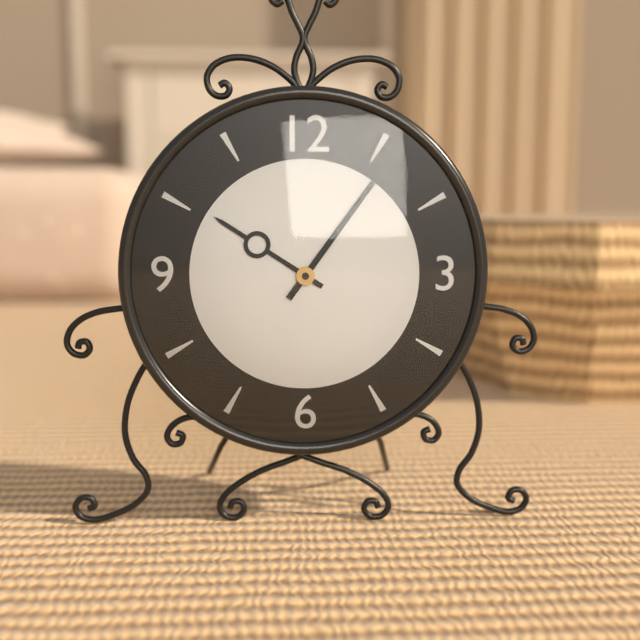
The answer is 10:06
